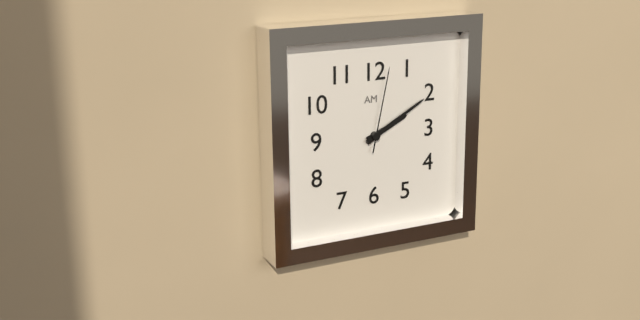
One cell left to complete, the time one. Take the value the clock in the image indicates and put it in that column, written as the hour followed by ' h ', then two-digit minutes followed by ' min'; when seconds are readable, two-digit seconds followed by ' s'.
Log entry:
2 h 10 min 02 s
